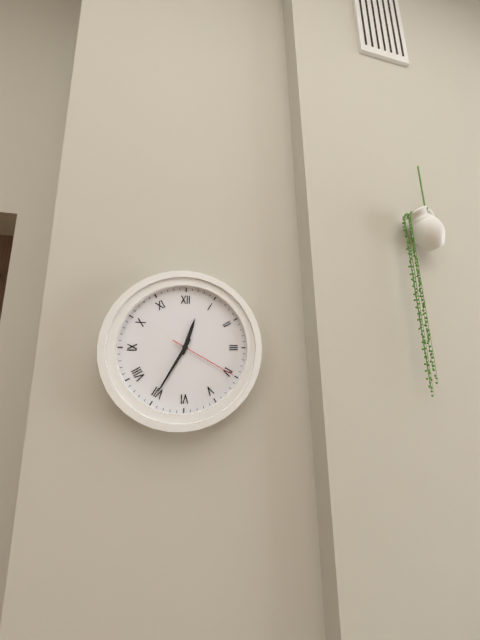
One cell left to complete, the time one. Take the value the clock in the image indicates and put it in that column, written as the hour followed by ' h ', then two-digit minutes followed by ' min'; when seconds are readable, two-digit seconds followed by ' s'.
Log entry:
12 h 35 min 20 s
